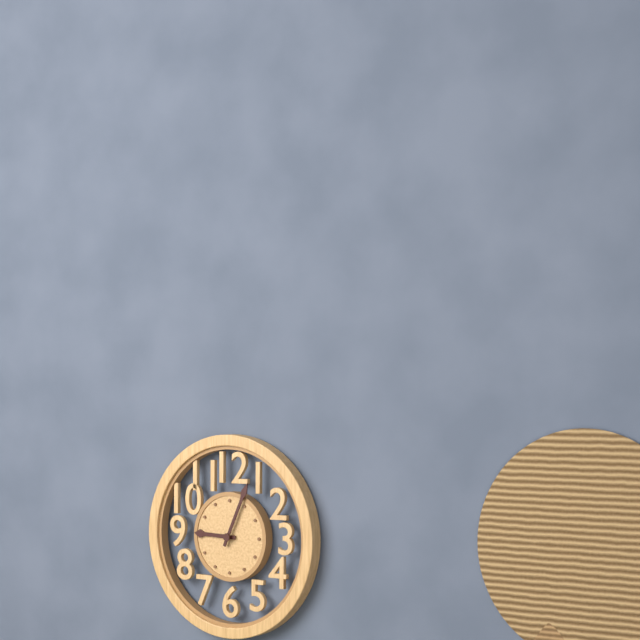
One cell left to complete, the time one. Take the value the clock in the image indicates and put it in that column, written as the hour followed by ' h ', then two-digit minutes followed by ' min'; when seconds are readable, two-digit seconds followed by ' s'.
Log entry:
9 h 04 min
